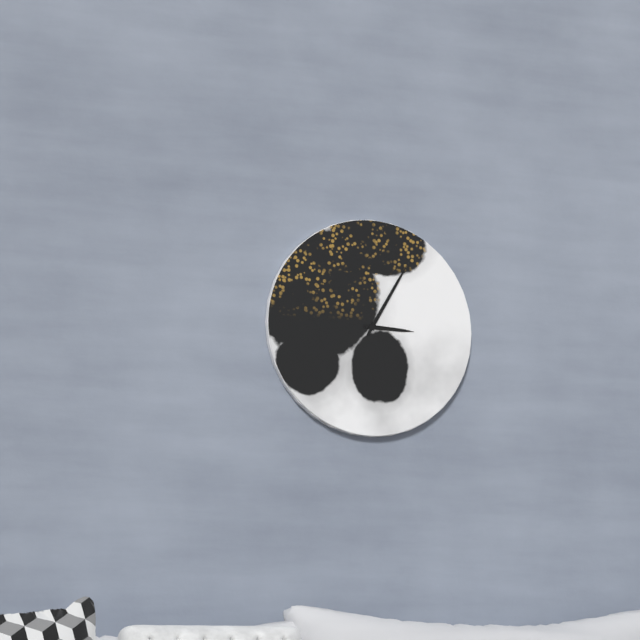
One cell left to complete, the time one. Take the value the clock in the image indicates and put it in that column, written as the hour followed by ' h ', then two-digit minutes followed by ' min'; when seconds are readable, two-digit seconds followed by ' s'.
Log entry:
3 h 05 min
